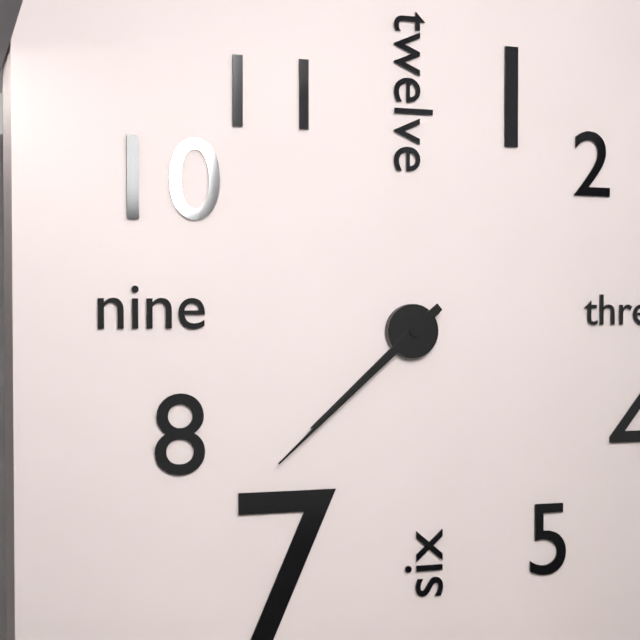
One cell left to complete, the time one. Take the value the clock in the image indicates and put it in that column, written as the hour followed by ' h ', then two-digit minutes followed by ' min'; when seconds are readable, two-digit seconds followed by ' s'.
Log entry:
7 h 38 min
